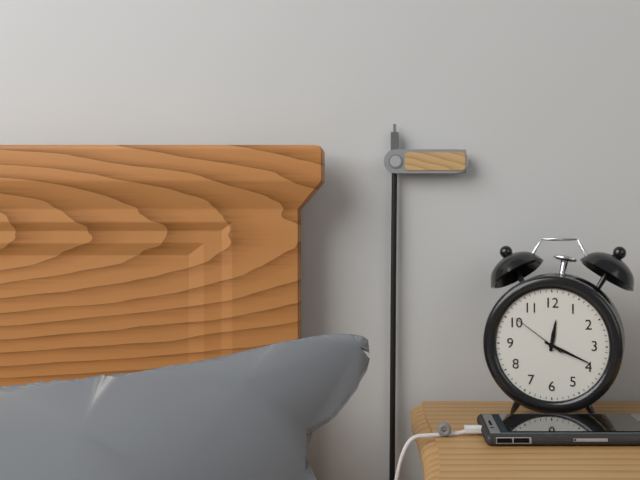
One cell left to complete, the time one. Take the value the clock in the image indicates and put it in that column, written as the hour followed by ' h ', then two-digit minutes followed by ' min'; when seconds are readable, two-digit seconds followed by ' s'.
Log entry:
12 h 19 min 51 s
